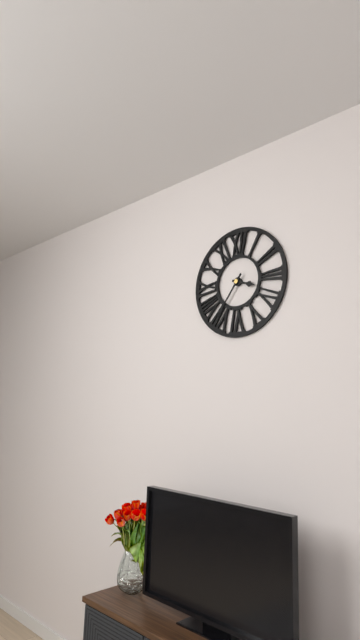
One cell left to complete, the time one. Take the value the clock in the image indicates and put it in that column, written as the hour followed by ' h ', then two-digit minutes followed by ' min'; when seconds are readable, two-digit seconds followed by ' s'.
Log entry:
3 h 36 min
